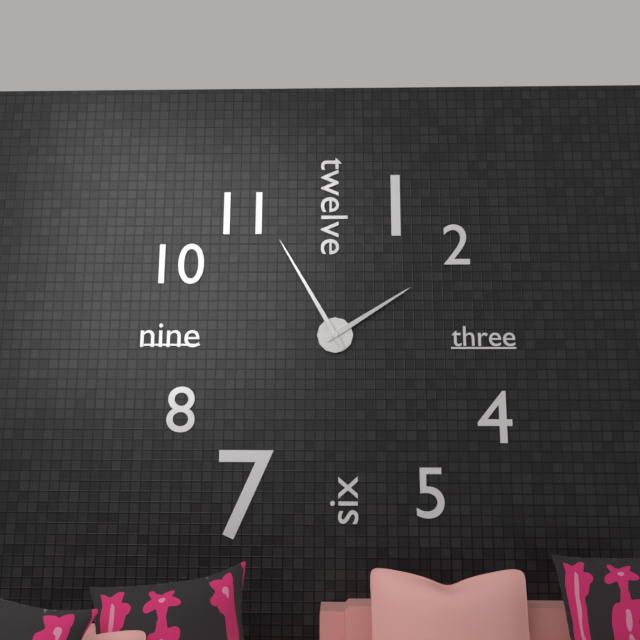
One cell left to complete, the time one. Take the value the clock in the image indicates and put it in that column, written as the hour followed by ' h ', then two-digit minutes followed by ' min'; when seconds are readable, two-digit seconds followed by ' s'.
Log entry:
1 h 55 min
